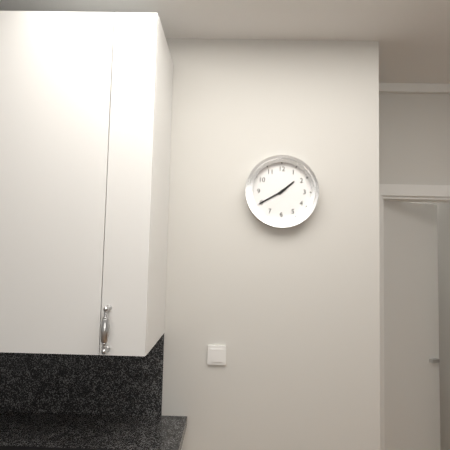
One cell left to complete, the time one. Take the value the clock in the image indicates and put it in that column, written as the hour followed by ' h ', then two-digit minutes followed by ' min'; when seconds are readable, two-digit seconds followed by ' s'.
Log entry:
1 h 40 min
